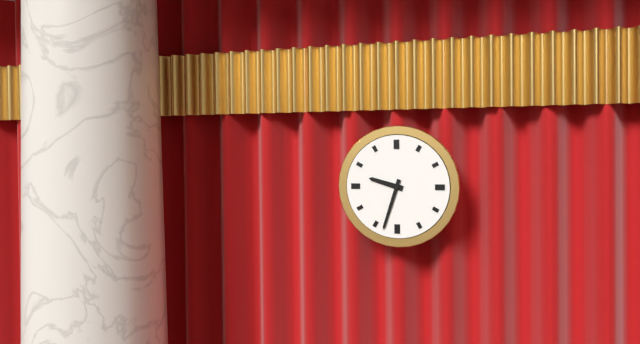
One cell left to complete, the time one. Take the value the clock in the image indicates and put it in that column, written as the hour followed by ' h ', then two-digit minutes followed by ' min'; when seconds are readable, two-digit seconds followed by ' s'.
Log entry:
9 h 33 min
